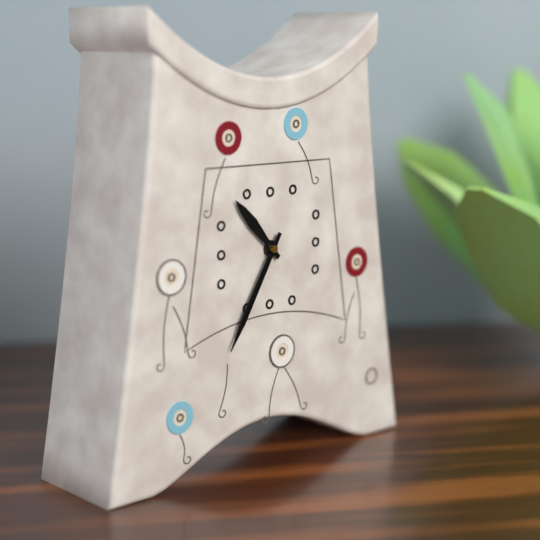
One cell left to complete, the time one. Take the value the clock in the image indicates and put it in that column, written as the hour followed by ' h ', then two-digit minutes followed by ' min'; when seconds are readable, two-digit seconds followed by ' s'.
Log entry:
10 h 35 min
